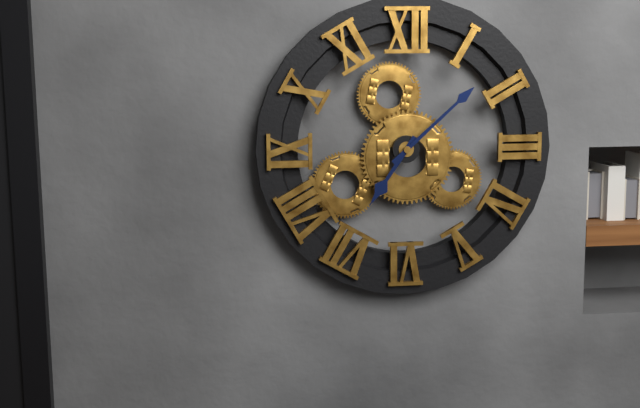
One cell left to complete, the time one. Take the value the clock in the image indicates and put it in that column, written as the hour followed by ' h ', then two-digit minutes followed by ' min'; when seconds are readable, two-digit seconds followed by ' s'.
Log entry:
7 h 08 min
